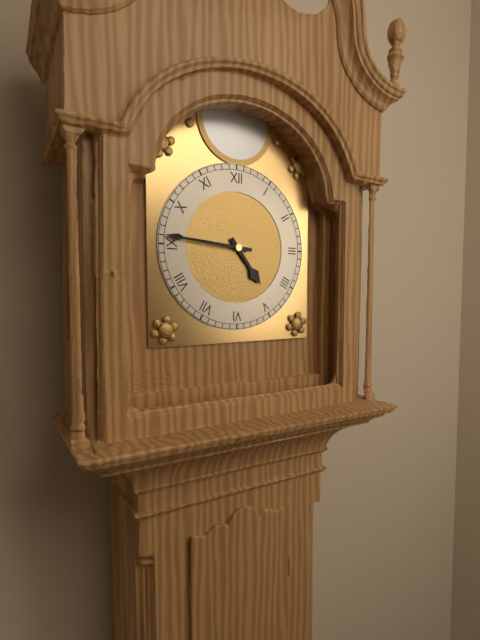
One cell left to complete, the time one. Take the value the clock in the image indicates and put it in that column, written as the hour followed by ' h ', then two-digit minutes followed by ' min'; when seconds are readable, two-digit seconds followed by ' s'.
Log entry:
4 h 46 min
